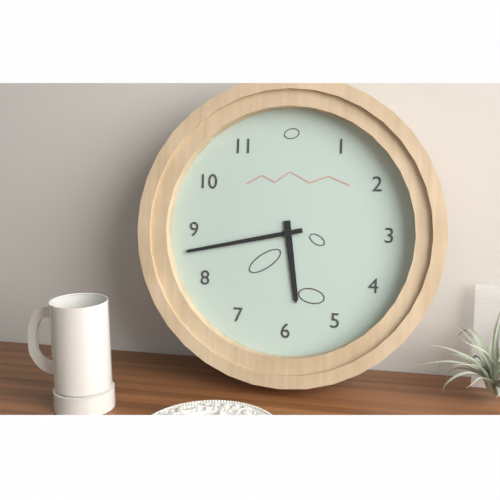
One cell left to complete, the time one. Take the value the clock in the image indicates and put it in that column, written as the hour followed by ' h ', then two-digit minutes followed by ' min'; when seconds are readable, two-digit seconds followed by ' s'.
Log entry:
5 h 43 min
